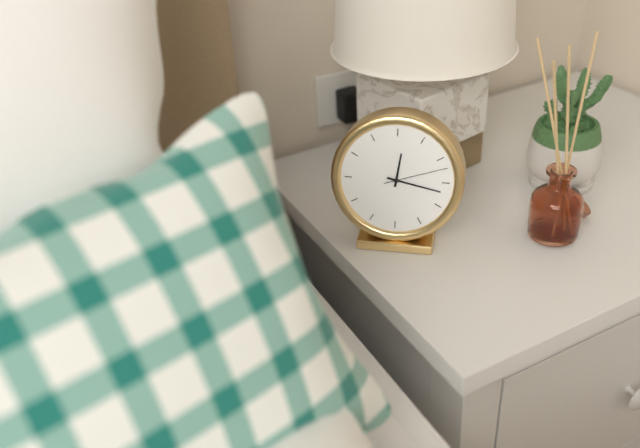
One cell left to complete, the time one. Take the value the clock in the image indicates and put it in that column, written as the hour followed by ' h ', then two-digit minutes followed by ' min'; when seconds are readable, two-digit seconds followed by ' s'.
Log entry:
12 h 17 min 12 s
